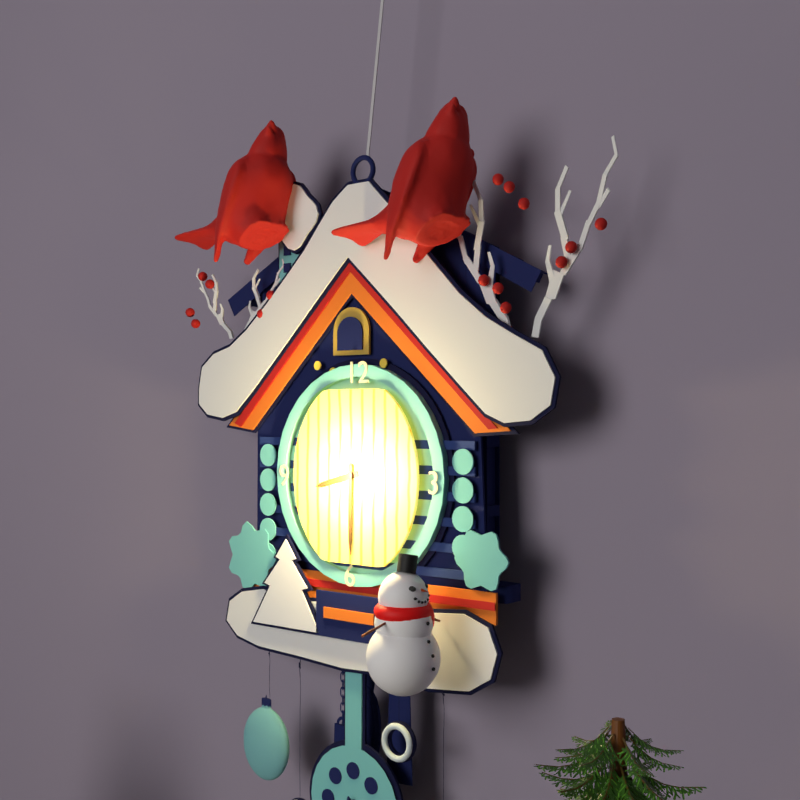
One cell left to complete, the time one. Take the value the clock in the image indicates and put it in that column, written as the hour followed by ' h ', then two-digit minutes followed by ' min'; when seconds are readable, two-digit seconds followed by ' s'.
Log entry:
8 h 30 min
